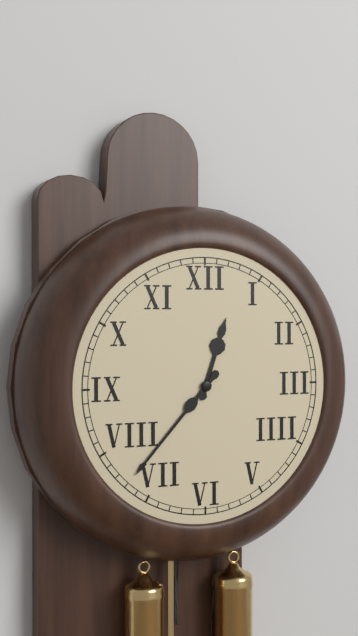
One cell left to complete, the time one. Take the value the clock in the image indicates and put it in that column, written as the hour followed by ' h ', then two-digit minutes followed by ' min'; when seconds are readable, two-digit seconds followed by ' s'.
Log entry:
12 h 37 min
